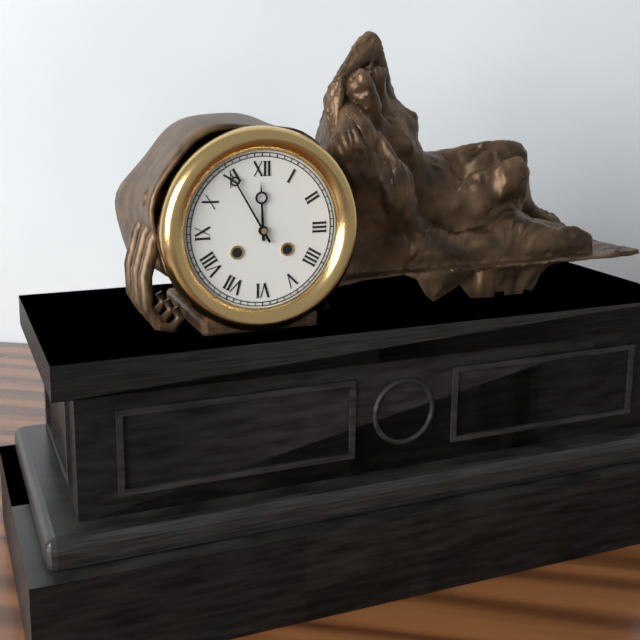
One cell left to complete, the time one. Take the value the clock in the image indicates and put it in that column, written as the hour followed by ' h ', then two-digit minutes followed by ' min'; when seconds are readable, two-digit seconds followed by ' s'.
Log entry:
11 h 55 min
